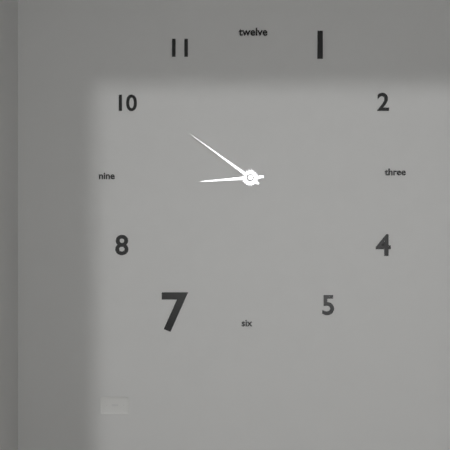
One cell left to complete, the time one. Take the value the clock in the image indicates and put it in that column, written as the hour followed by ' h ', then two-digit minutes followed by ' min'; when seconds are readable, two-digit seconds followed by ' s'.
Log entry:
8 h 51 min
